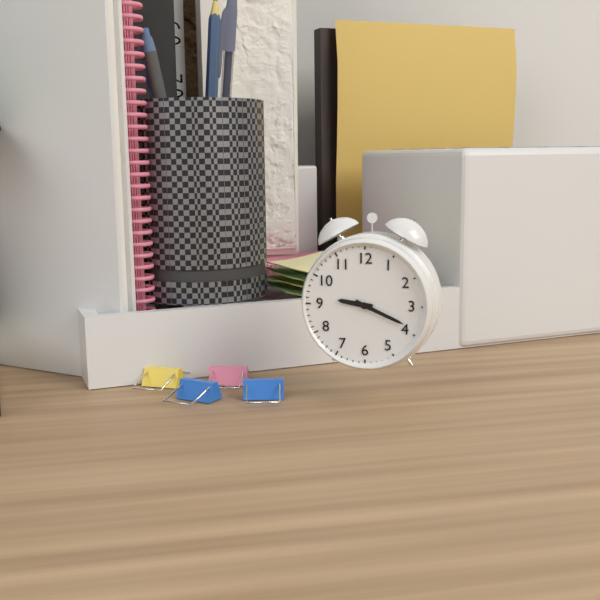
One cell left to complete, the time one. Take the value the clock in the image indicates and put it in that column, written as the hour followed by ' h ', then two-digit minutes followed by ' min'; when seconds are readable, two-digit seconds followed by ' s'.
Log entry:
9 h 19 min
